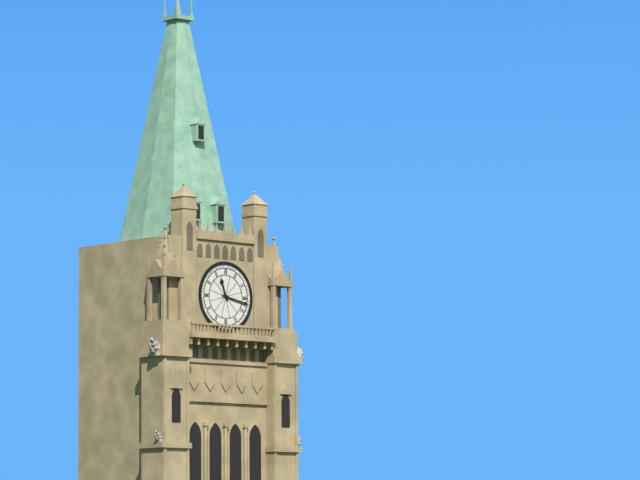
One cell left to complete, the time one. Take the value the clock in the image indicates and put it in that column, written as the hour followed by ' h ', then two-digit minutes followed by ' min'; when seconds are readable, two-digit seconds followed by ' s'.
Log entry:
11 h 17 min
